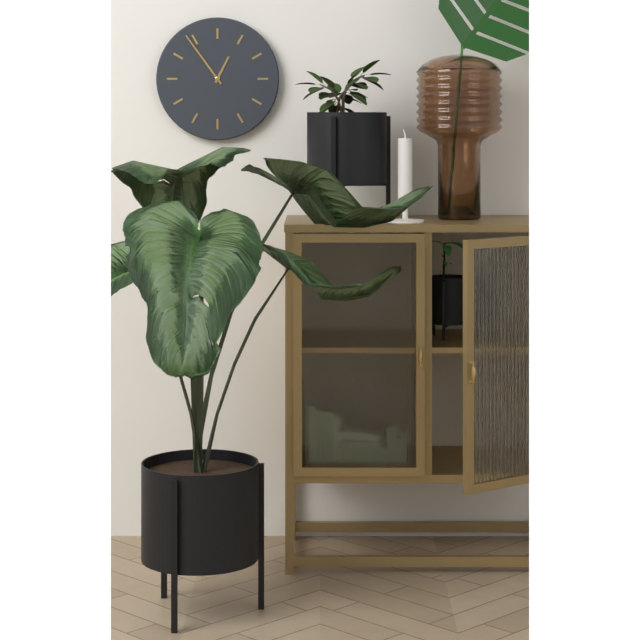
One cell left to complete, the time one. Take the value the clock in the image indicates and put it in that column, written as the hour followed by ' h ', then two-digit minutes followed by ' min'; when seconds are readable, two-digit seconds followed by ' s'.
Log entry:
12 h 54 min
